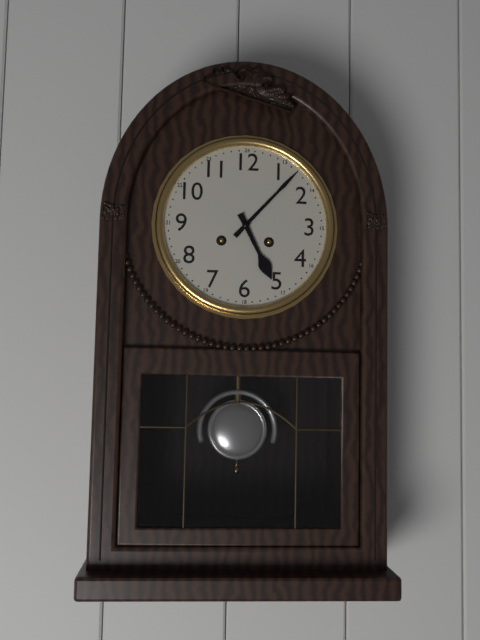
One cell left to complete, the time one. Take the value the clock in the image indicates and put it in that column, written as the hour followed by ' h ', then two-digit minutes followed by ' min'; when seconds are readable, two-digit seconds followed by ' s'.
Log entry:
5 h 07 min
